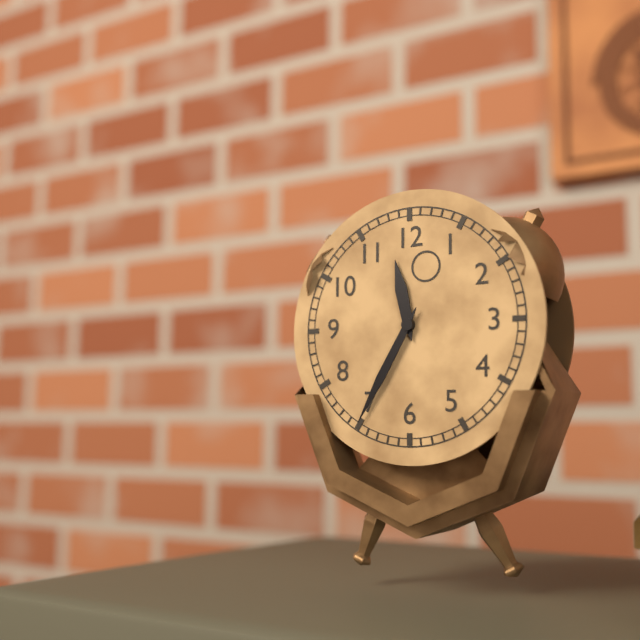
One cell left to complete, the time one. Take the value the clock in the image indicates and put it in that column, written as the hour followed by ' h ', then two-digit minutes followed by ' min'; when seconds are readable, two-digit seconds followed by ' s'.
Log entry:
11 h 35 min
